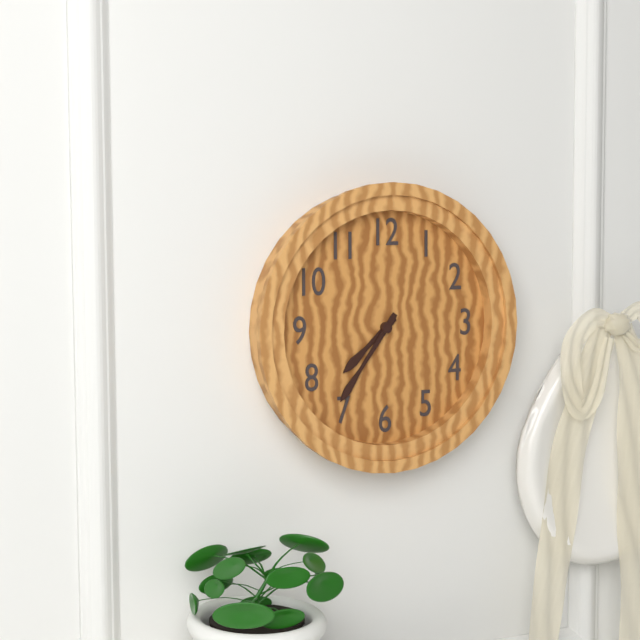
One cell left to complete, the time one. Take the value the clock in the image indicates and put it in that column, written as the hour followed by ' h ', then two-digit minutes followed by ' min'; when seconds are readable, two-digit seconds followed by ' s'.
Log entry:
7 h 36 min
